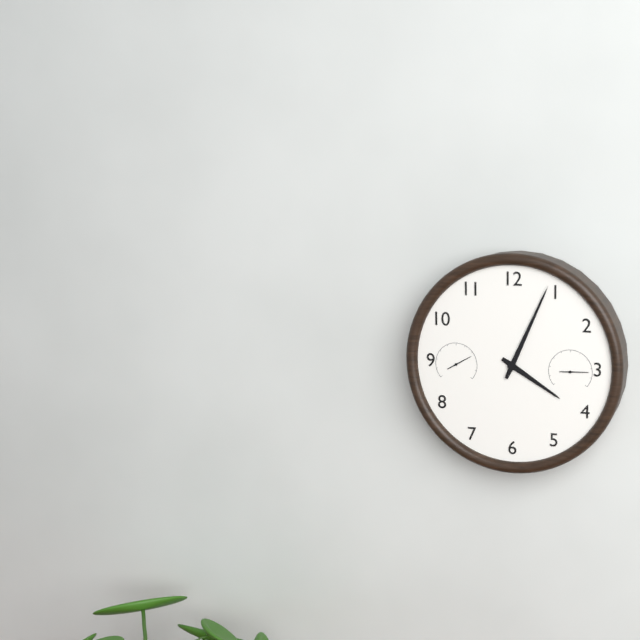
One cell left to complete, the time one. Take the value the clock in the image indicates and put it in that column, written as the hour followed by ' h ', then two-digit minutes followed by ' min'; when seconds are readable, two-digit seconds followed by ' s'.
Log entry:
4 h 04 min
